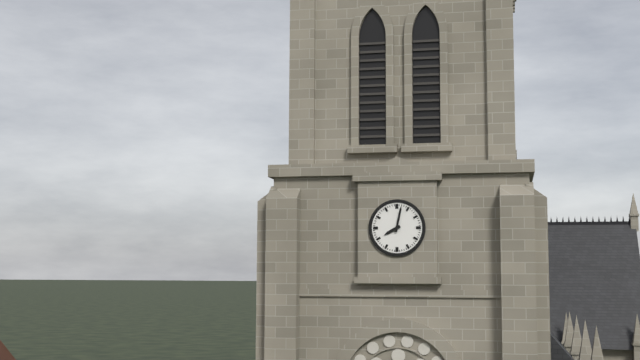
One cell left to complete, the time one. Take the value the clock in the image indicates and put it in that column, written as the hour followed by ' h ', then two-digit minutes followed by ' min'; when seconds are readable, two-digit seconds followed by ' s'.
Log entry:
8 h 02 min
